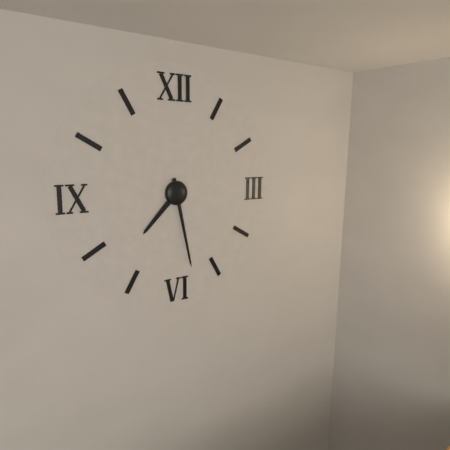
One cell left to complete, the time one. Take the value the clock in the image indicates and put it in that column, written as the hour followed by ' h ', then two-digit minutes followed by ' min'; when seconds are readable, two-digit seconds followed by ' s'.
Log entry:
7 h 28 min
